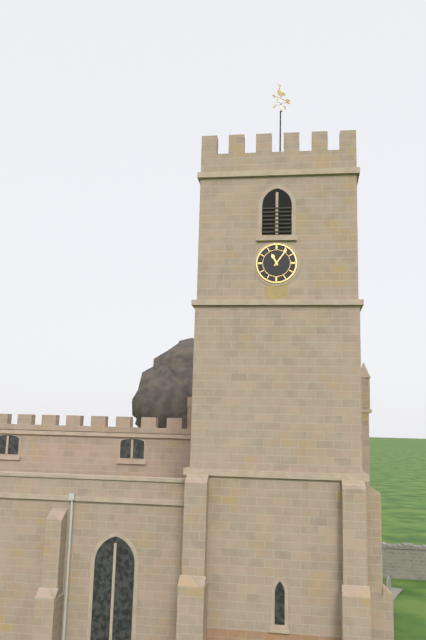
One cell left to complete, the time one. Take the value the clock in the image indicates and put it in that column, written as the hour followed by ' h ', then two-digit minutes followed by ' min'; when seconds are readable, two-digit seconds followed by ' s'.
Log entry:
11 h 06 min
